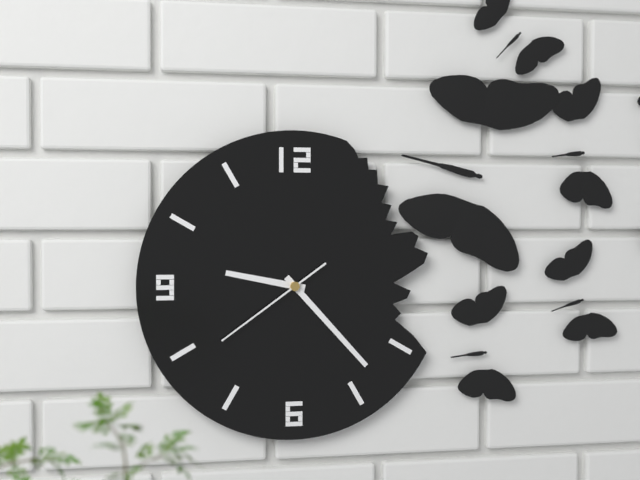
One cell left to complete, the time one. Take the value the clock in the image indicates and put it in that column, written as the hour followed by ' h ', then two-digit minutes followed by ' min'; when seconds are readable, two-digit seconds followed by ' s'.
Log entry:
9 h 23 min 39 s
